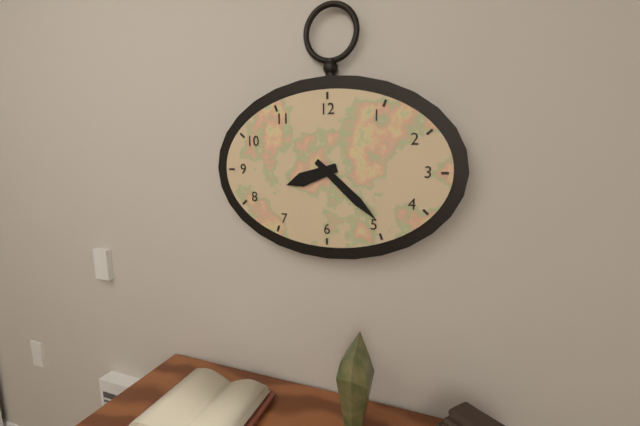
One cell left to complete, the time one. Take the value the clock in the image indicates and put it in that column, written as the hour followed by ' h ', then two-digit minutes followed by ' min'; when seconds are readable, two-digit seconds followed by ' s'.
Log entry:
8 h 22 min
